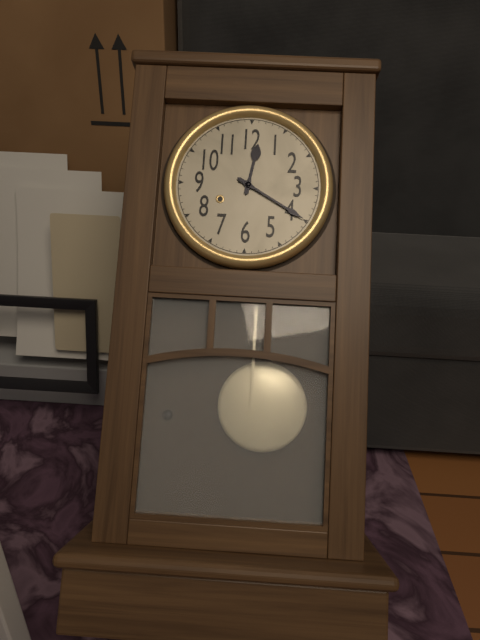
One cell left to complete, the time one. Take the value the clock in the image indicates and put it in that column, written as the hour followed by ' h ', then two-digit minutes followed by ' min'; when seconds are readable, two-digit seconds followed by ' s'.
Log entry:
12 h 20 min
